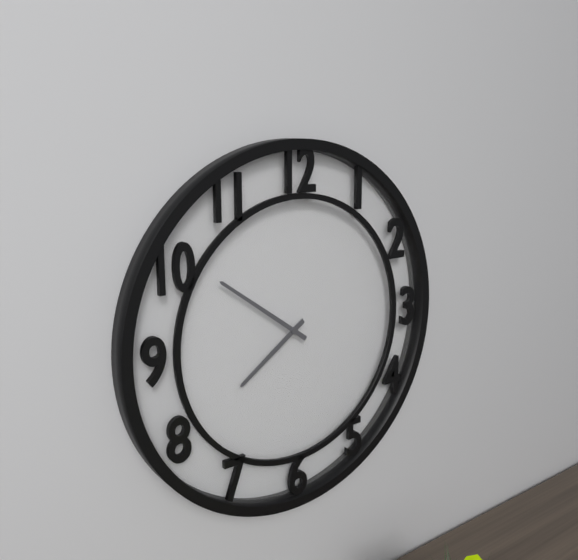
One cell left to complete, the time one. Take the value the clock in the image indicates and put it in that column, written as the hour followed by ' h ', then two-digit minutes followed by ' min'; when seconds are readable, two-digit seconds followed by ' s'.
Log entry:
7 h 51 min
